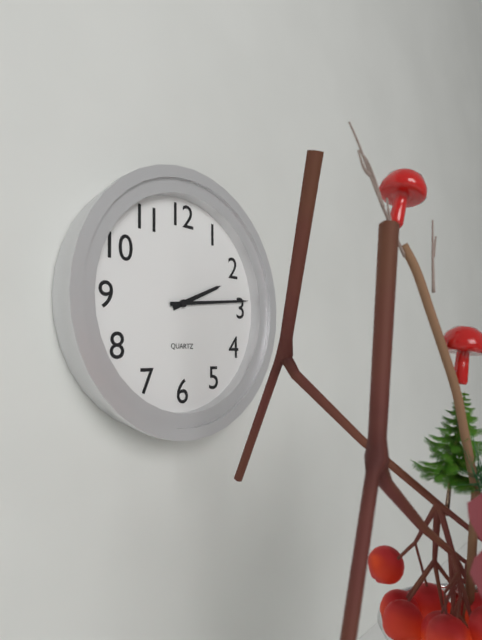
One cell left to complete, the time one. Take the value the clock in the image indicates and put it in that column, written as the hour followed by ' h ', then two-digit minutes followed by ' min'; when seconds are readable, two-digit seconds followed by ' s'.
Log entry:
2 h 14 min
